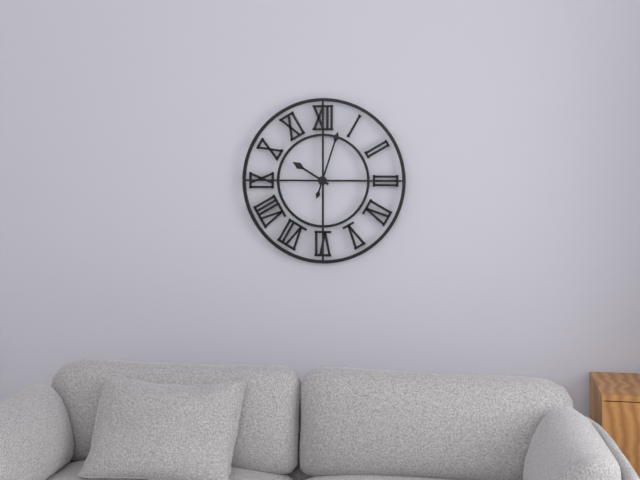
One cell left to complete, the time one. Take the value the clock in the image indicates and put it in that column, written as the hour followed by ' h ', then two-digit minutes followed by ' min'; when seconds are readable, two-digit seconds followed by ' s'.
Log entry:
10 h 03 min
